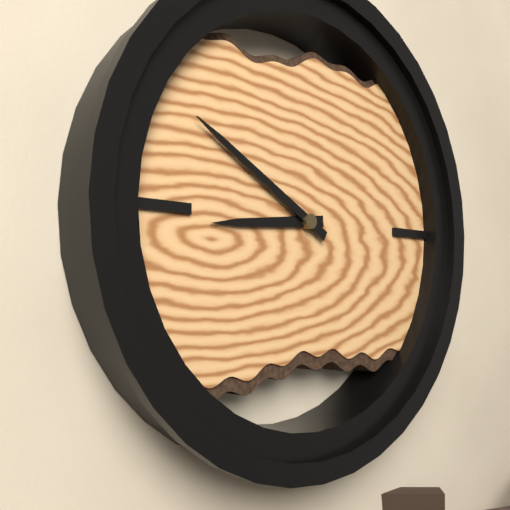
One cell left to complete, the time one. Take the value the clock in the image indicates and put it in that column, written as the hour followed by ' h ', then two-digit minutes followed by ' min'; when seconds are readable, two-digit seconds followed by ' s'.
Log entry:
8 h 50 min
